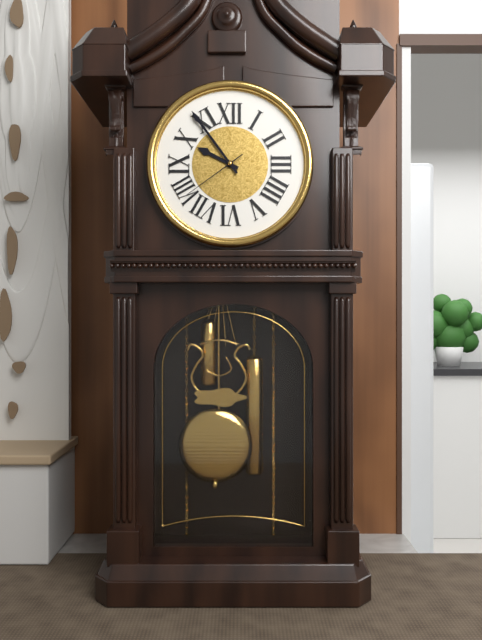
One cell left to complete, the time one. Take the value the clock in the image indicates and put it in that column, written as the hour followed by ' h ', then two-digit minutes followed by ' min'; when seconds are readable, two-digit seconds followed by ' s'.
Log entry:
9 h 54 min 39 s
